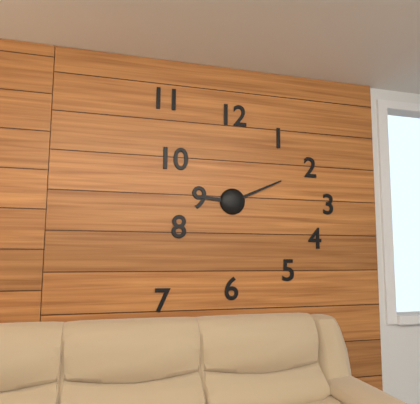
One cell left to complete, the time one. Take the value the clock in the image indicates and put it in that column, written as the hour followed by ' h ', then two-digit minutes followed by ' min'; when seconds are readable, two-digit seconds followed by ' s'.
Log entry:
9 h 11 min
